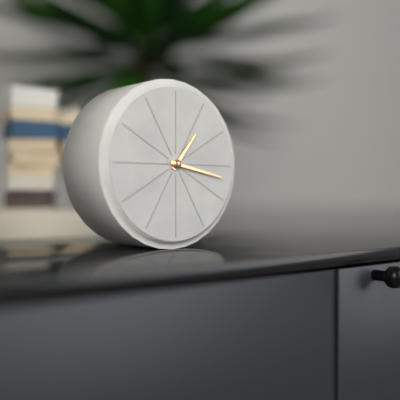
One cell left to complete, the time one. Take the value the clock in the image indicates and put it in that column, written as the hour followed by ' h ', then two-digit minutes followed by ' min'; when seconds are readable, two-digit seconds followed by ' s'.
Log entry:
1 h 17 min
